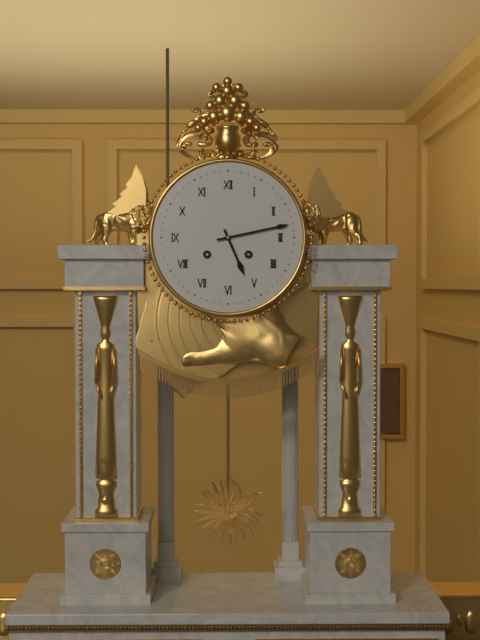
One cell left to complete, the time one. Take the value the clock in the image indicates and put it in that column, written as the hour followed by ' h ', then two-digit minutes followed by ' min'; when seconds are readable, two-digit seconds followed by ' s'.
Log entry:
5 h 13 min
